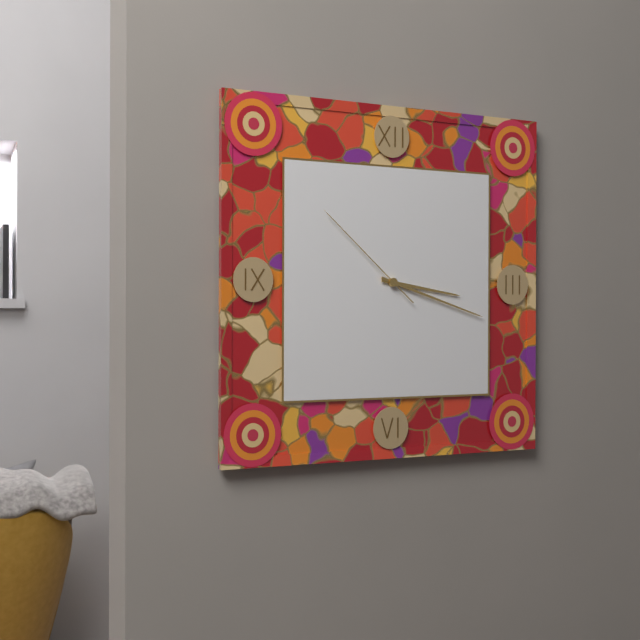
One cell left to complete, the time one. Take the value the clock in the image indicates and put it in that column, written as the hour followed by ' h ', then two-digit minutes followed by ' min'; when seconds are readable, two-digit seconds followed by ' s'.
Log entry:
3 h 18 min 52 s
